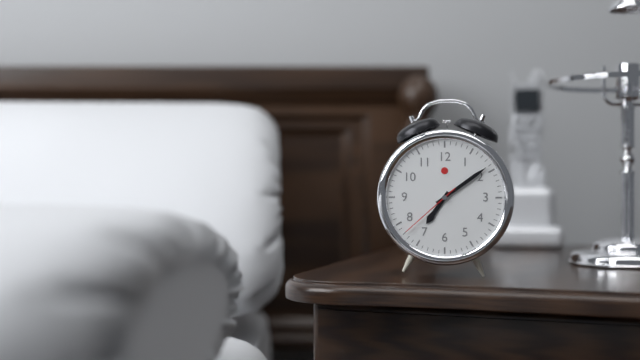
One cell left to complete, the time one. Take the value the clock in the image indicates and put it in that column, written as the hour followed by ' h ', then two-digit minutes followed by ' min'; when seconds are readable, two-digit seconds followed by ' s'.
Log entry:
7 h 09 min 38 s
